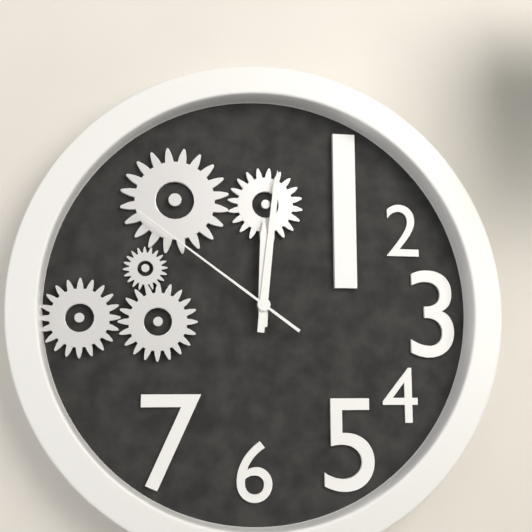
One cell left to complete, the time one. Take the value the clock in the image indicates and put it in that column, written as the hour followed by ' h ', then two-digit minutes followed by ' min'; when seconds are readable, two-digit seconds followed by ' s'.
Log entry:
12 h 01 min 51 s
